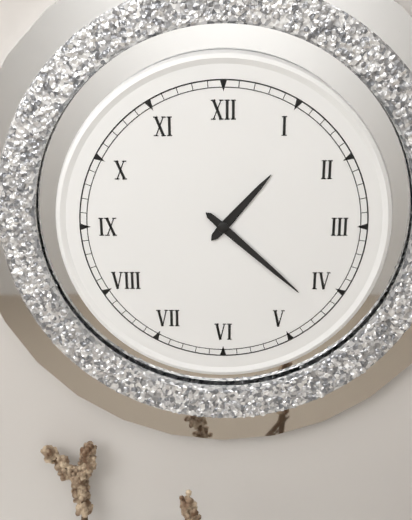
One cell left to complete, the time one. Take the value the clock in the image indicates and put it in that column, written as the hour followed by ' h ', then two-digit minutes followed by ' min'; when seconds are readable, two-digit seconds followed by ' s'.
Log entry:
1 h 22 min
